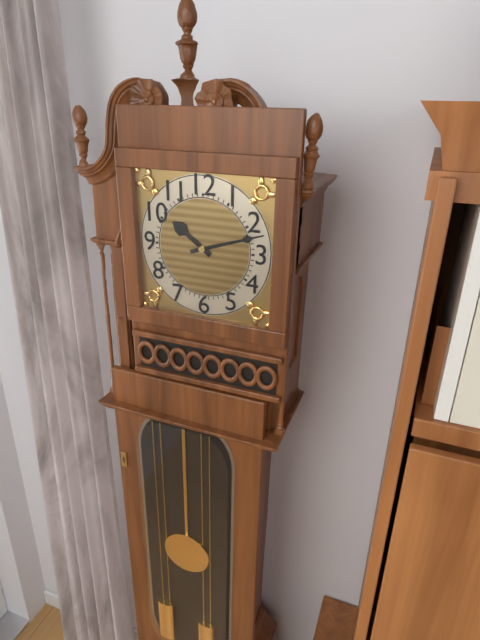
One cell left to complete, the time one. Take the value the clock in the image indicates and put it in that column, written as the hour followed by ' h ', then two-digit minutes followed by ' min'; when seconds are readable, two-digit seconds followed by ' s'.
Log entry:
10 h 12 min
